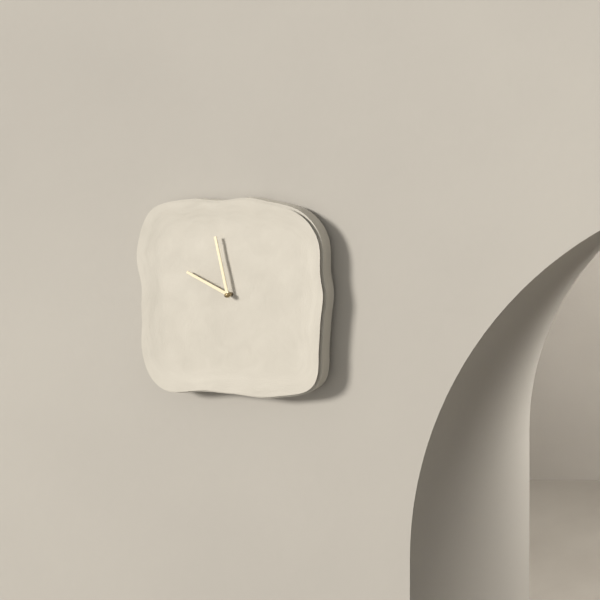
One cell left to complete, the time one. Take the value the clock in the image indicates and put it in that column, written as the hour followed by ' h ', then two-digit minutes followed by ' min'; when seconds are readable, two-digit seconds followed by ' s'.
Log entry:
9 h 58 min
